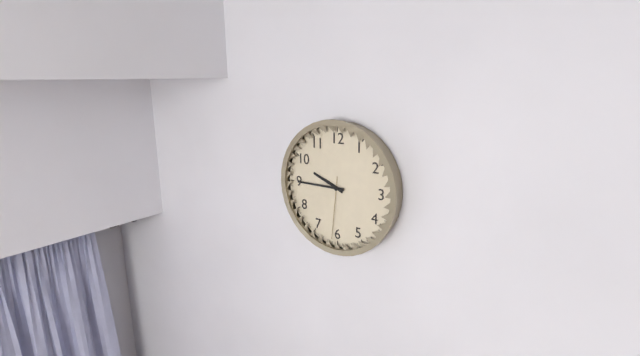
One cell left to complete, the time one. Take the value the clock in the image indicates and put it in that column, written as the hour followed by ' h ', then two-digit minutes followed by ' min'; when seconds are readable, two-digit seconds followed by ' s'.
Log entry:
9 h 45 min 31 s
